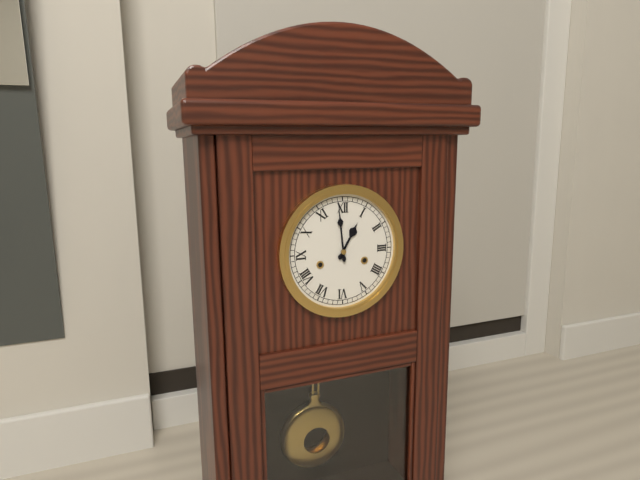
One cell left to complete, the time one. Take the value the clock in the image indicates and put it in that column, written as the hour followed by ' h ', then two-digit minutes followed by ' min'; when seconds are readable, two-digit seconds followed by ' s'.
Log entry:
12 h 59 min
